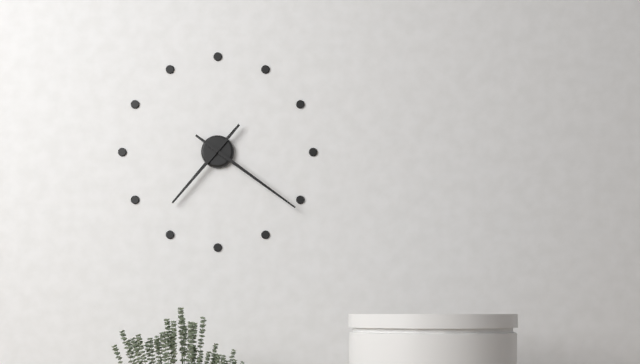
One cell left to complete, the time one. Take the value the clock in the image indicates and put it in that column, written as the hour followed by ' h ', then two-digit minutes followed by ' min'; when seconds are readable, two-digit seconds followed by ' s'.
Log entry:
7 h 21 min
